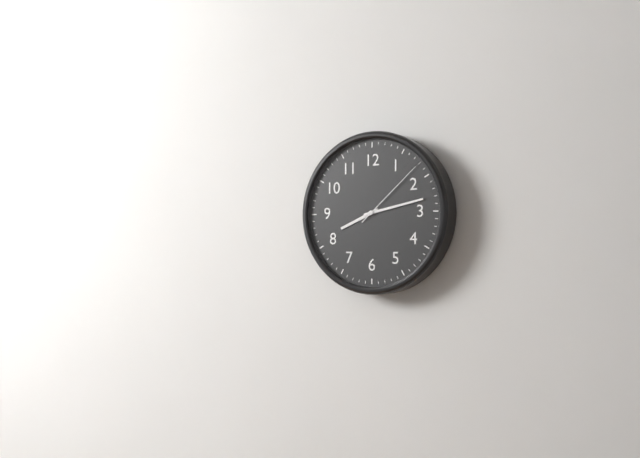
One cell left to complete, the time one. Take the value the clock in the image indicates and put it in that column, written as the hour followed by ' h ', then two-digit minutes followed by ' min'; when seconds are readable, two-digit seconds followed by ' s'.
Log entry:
8 h 13 min 08 s
